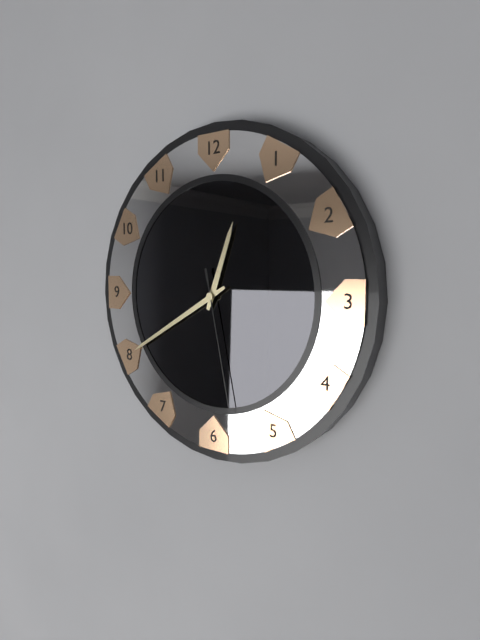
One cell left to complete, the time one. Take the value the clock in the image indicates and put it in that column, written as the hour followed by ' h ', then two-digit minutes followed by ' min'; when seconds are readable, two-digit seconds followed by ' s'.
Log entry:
12 h 40 min 28 s
